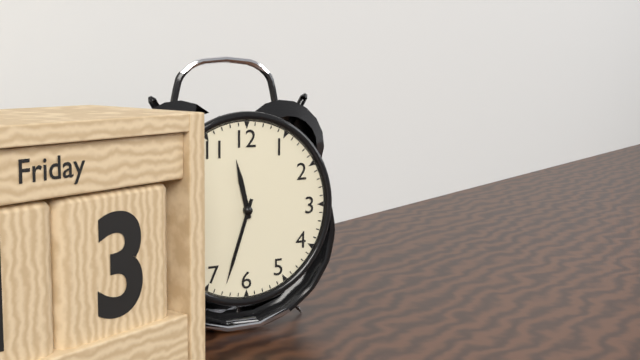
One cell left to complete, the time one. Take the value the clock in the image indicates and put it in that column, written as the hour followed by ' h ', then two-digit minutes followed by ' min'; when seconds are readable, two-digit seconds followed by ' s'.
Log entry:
11 h 33 min
